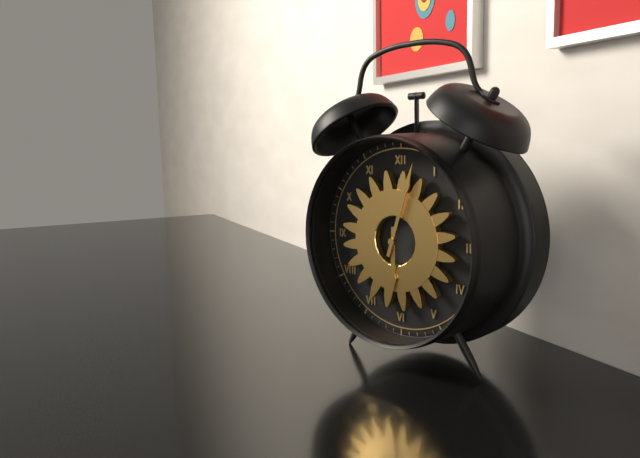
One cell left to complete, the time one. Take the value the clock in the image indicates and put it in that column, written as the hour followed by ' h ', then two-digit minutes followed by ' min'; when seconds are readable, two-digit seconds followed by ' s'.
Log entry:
6 h 03 min
